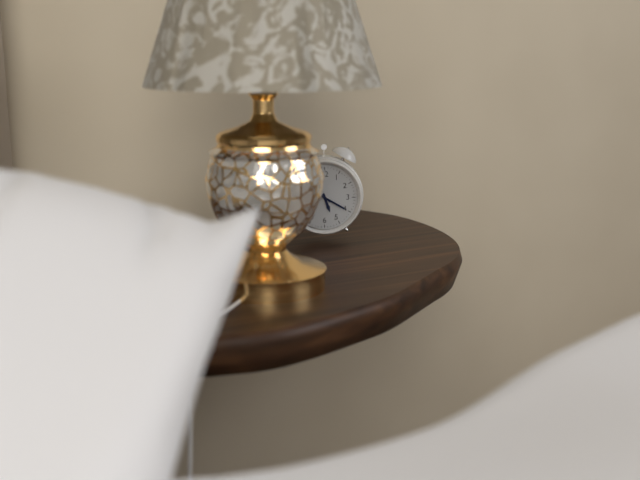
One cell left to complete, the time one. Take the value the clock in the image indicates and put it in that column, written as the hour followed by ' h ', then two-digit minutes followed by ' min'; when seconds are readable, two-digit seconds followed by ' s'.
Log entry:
5 h 20 min
